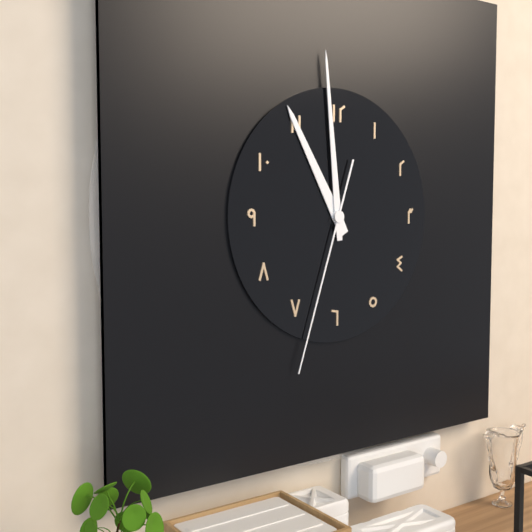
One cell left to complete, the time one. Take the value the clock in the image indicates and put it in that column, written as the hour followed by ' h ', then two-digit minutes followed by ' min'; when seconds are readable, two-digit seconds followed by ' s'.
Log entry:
10 h 59 min 33 s
